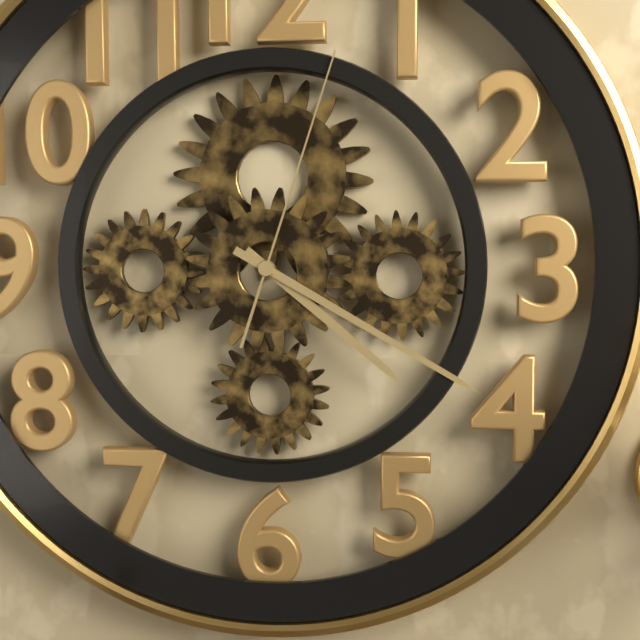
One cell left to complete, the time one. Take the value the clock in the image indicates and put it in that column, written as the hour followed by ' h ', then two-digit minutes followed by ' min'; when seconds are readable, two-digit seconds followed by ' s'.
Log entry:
4 h 20 min 03 s
